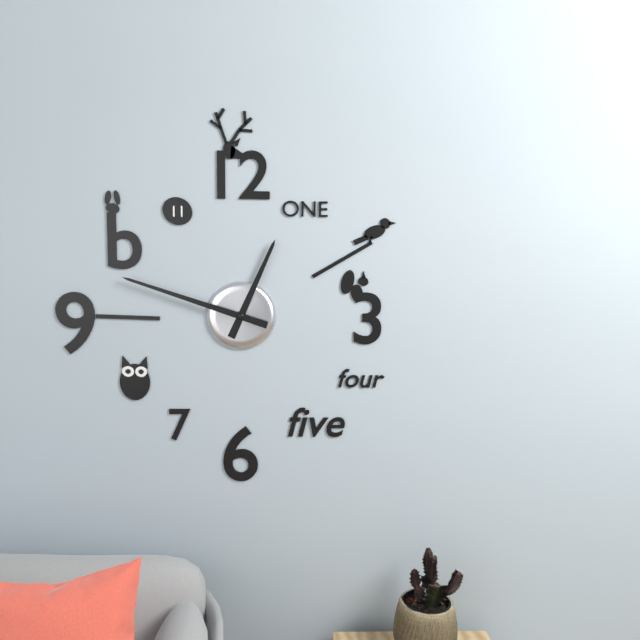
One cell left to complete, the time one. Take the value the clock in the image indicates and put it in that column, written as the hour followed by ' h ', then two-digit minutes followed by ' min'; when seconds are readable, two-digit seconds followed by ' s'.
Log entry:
12 h 48 min
